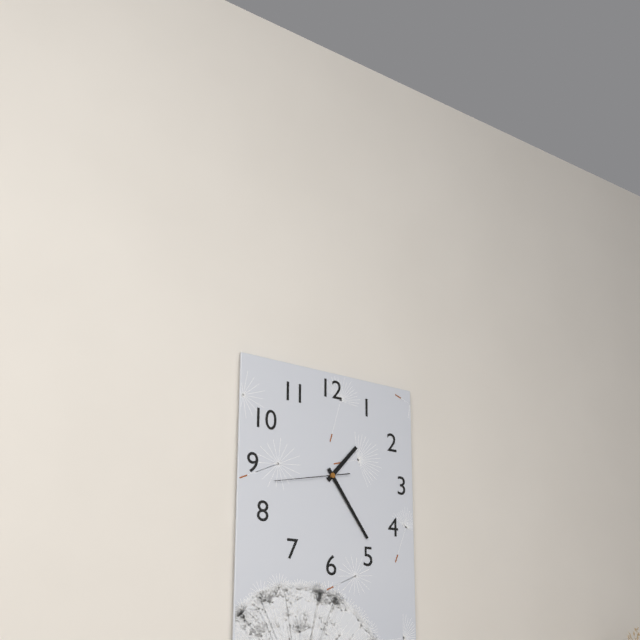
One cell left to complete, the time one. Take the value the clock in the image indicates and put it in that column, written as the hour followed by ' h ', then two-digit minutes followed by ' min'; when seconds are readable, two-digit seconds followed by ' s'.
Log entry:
1 h 24 min 43 s
